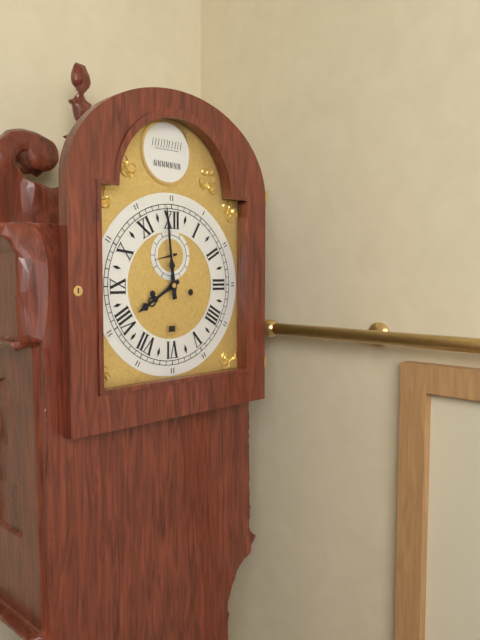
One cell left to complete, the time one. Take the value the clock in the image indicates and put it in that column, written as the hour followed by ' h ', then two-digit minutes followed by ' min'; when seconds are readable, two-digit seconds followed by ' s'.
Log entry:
7 h 59 min
